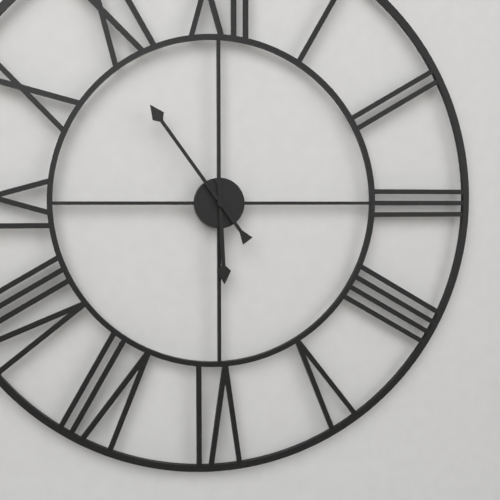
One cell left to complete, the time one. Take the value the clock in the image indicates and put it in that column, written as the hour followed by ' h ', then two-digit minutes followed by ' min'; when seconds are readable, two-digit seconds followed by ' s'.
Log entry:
5 h 54 min
